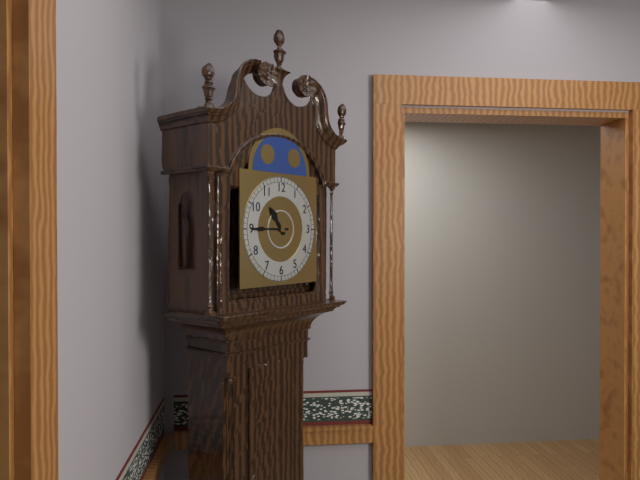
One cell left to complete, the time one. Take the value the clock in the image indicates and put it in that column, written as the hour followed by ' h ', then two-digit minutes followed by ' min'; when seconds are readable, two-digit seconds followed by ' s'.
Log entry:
10 h 45 min
